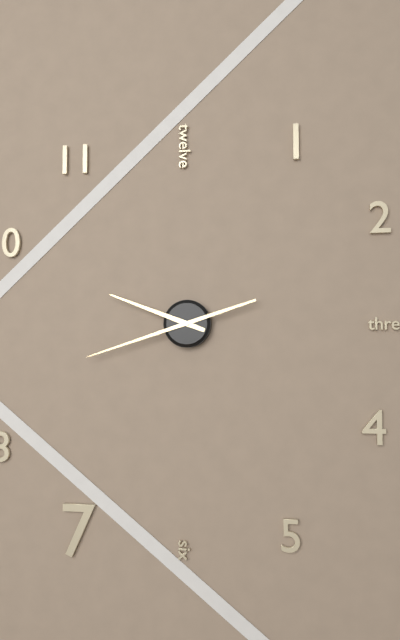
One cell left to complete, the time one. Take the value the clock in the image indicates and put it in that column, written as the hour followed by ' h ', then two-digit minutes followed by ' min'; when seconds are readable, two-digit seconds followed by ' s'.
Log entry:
9 h 42 min
